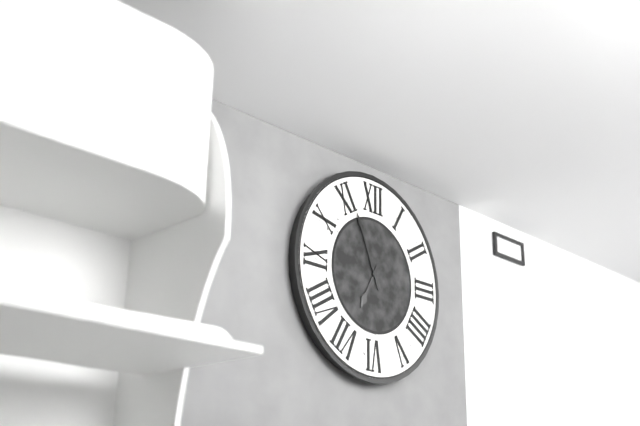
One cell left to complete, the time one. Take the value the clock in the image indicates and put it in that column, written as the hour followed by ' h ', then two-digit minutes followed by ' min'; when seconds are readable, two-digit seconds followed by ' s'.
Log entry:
6 h 56 min
